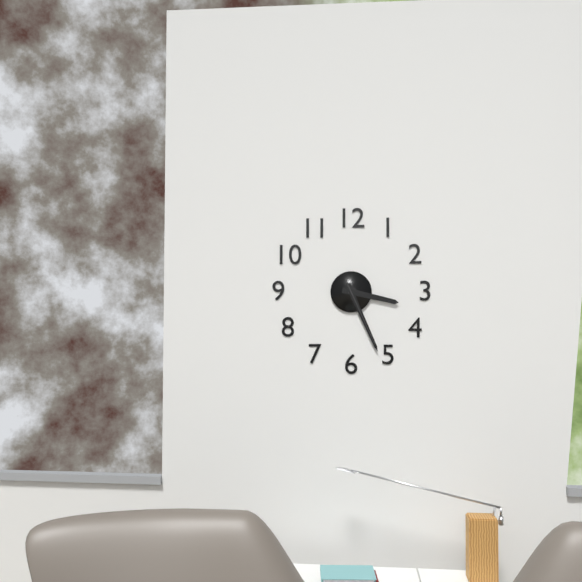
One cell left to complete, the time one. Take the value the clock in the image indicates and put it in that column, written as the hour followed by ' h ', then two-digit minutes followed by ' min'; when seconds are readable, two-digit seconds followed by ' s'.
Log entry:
3 h 26 min 26 s
